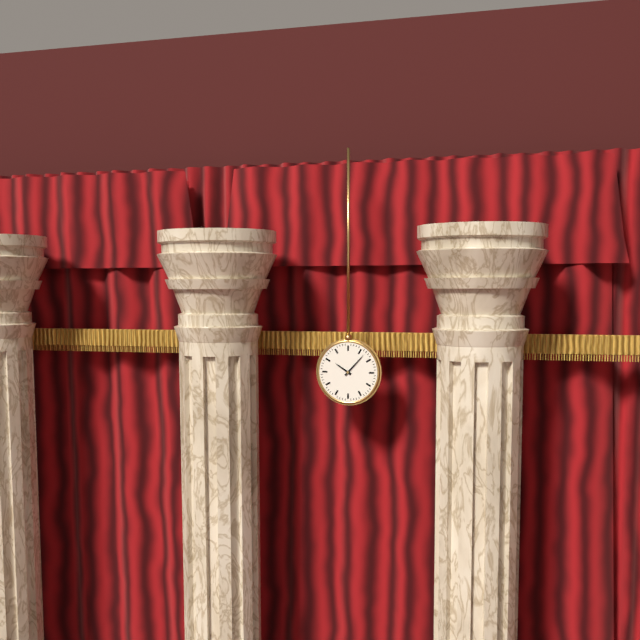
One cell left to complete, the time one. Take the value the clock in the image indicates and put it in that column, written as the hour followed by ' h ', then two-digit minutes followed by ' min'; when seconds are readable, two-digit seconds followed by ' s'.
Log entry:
10 h 07 min
